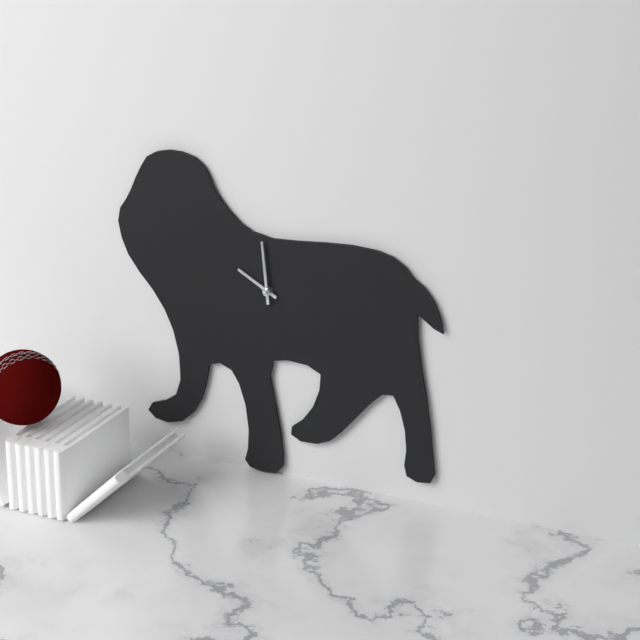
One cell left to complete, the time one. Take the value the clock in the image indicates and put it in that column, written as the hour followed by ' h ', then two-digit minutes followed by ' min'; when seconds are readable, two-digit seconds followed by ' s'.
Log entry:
9 h 59 min
